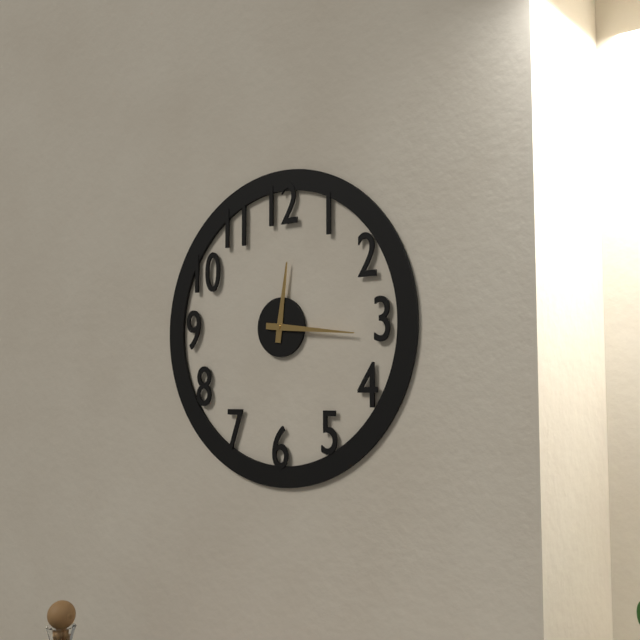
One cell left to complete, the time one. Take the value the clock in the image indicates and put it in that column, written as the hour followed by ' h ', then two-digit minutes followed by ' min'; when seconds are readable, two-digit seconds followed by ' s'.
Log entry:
12 h 16 min
